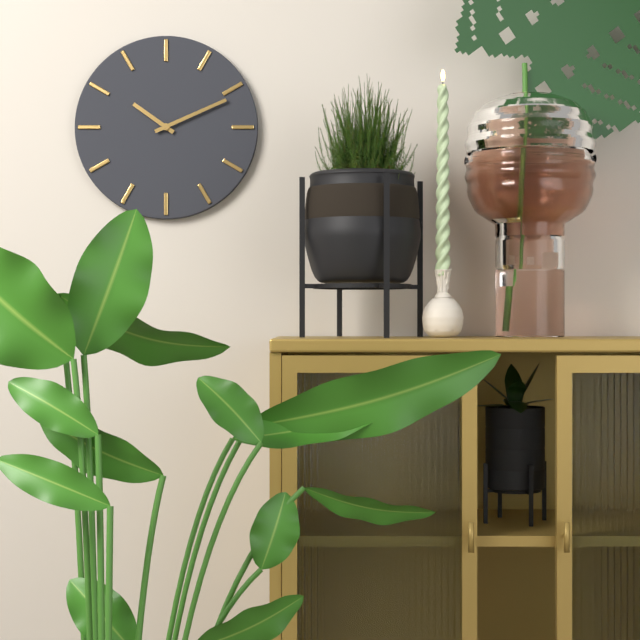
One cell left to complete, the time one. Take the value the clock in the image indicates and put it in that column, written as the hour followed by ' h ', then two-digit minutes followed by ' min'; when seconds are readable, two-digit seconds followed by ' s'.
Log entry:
10 h 11 min
